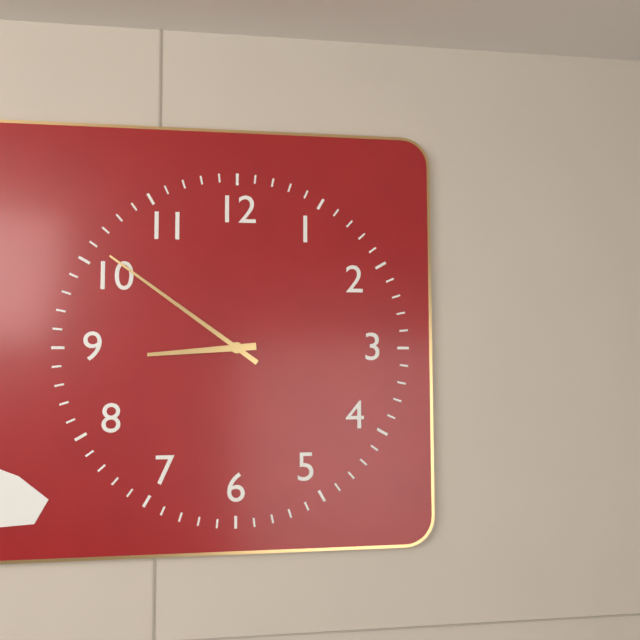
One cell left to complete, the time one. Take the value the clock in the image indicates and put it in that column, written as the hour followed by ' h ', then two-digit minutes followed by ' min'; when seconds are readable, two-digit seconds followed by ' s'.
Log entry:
8 h 51 min
